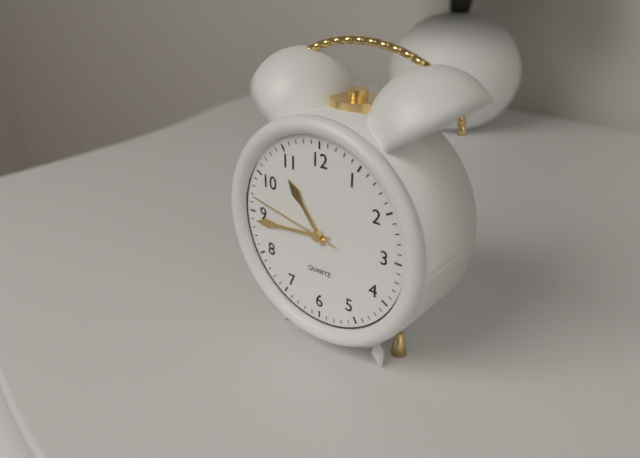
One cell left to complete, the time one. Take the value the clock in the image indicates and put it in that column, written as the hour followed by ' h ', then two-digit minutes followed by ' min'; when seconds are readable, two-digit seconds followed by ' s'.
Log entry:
10 h 44 min 47 s
